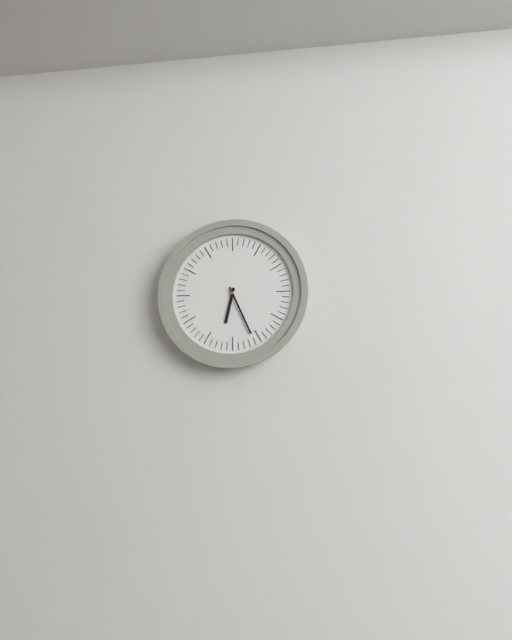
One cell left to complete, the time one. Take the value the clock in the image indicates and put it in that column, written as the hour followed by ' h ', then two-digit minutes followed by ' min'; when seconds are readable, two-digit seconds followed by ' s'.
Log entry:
6 h 26 min
